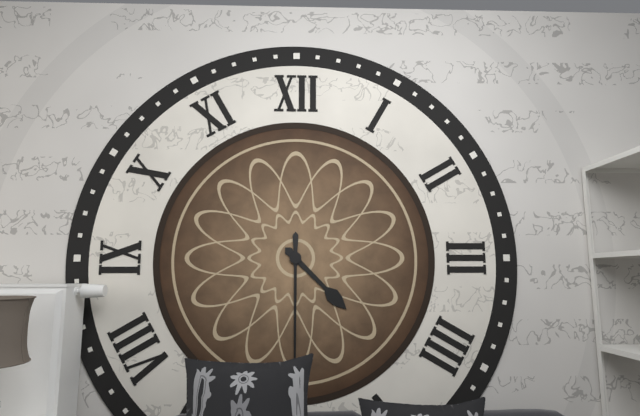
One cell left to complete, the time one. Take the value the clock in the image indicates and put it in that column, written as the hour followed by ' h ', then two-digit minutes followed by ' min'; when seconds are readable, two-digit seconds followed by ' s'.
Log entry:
4 h 30 min
